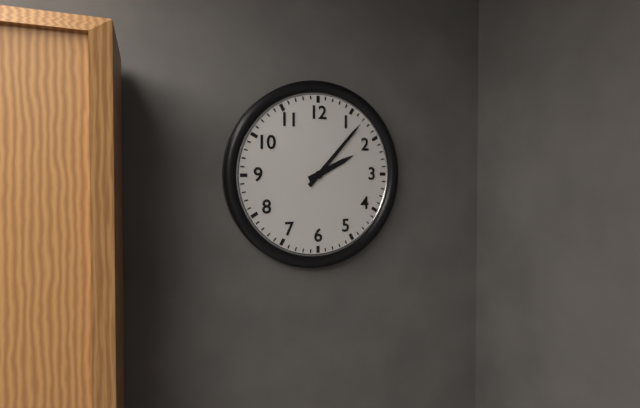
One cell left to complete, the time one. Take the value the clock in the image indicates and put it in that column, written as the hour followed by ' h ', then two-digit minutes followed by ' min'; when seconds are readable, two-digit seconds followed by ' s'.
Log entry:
2 h 07 min
